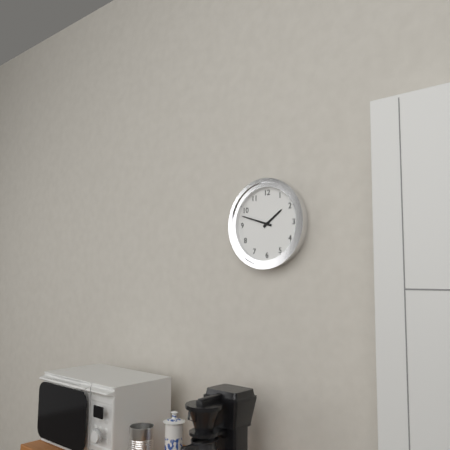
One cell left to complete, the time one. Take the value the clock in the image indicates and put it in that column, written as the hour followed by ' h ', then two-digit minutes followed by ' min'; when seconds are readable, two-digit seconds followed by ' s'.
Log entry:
1 h 48 min
